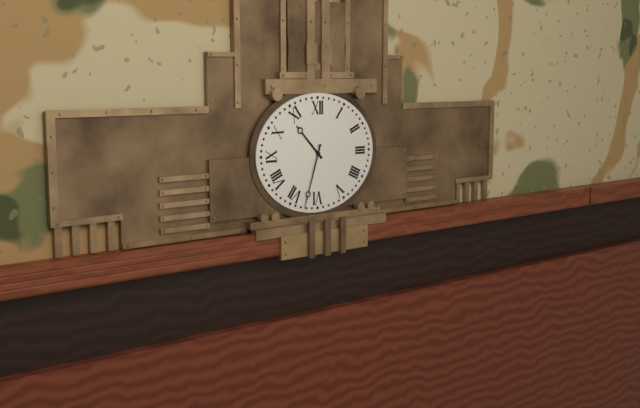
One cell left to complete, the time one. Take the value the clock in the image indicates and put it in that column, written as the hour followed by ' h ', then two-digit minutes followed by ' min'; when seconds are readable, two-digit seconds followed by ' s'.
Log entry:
10 h 33 min
